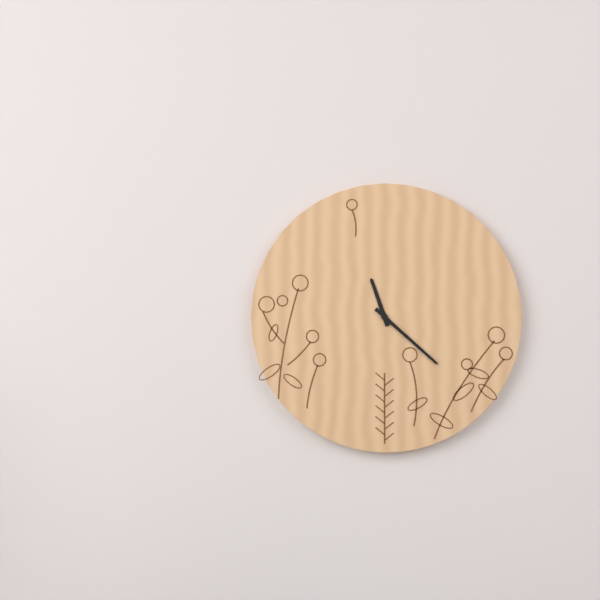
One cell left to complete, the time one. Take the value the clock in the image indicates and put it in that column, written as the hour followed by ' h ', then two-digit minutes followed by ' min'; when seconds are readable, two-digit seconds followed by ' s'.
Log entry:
11 h 22 min
